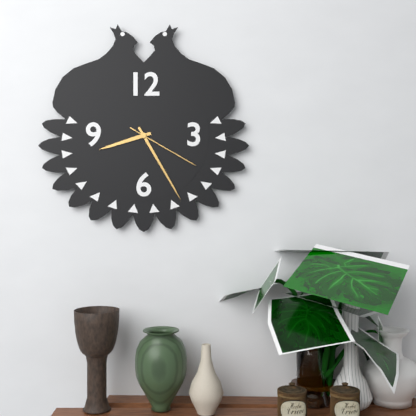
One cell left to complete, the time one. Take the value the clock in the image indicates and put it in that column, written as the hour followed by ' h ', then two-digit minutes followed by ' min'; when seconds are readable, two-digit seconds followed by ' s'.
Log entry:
8 h 25 min 20 s
